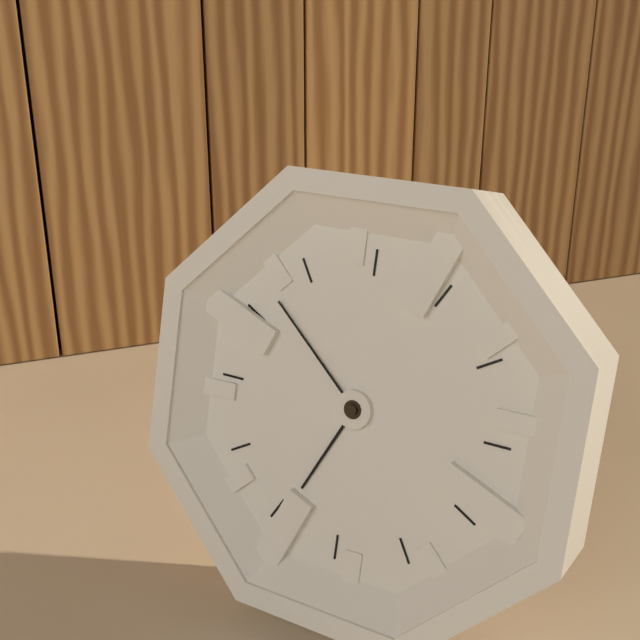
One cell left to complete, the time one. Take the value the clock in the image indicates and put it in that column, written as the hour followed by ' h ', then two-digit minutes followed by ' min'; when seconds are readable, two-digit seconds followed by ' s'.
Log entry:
6 h 52 min
